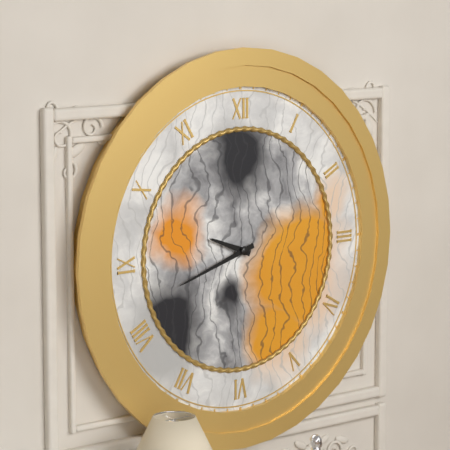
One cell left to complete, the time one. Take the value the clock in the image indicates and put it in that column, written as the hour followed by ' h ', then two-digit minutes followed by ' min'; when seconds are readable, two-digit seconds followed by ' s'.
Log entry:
9 h 42 min
